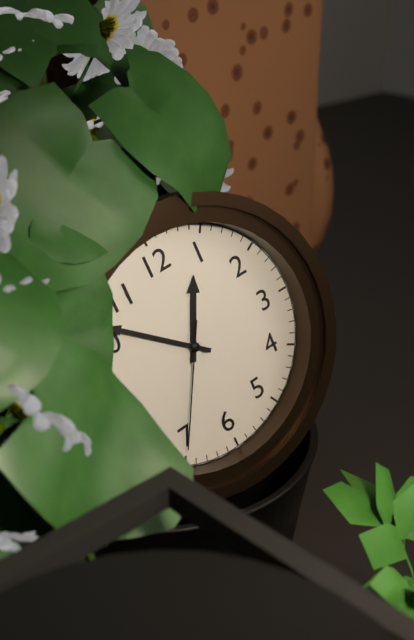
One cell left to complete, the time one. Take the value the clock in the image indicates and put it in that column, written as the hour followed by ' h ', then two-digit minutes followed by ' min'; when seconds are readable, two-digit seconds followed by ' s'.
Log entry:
12 h 52 min 35 s
